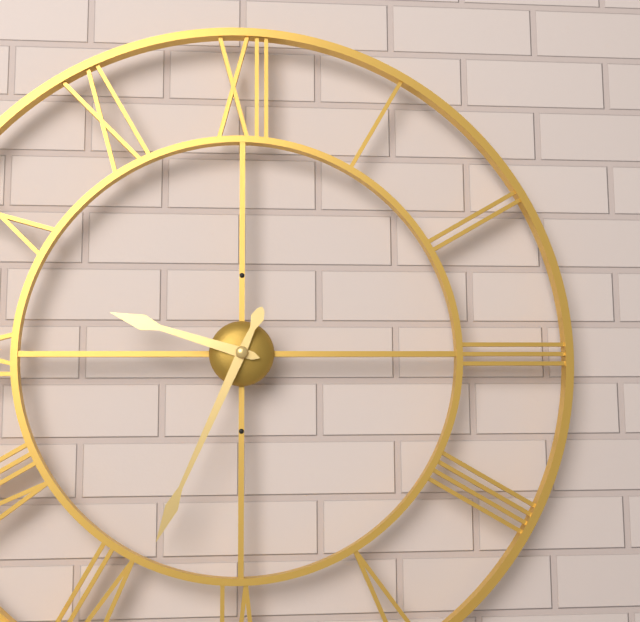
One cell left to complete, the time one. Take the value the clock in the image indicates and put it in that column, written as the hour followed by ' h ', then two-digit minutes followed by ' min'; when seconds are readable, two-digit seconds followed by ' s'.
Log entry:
9 h 34 min
